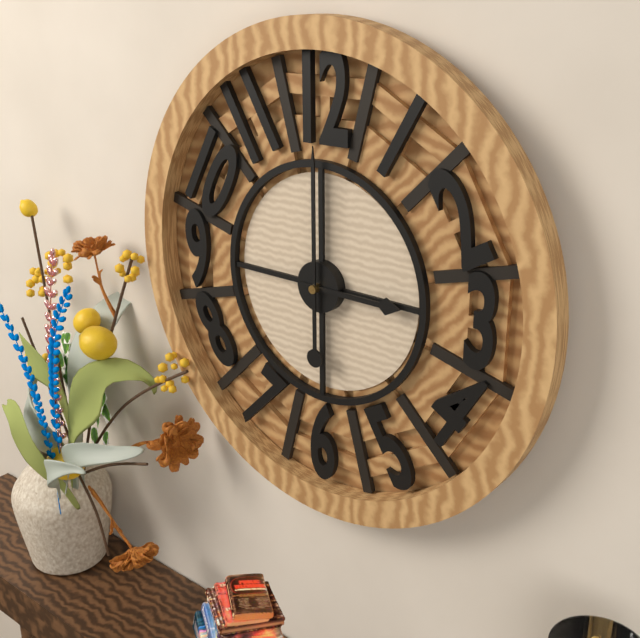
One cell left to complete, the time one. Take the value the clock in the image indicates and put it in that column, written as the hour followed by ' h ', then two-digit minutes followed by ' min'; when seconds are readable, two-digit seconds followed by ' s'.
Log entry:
3 h 00 min
